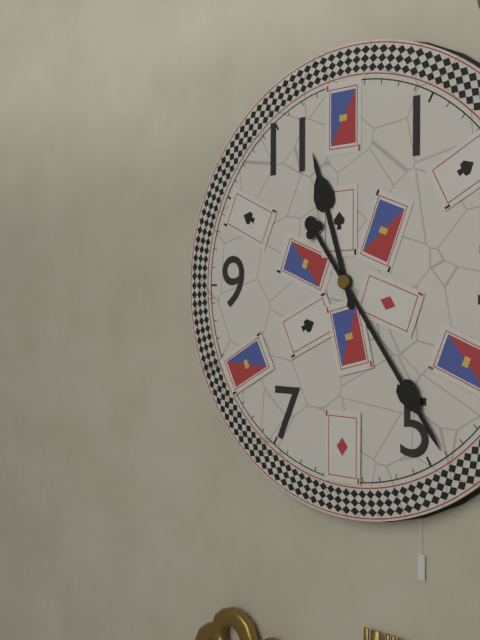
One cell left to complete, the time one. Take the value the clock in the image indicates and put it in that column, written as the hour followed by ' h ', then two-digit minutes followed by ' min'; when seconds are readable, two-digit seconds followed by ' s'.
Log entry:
11 h 24 min
